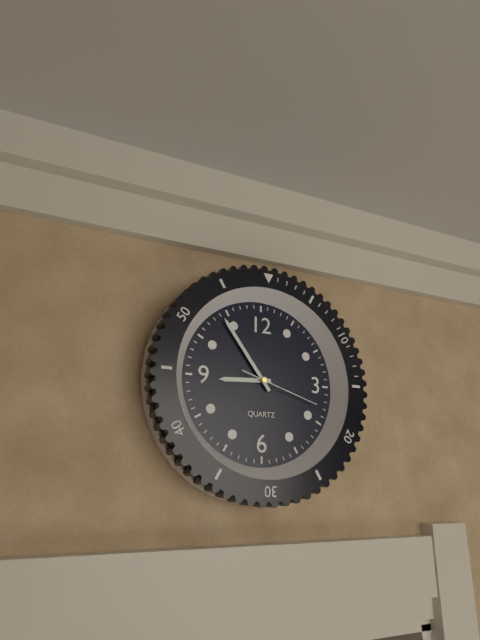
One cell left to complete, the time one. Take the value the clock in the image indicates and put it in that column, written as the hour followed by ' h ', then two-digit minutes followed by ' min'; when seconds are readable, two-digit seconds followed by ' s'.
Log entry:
8 h 54 min 18 s
